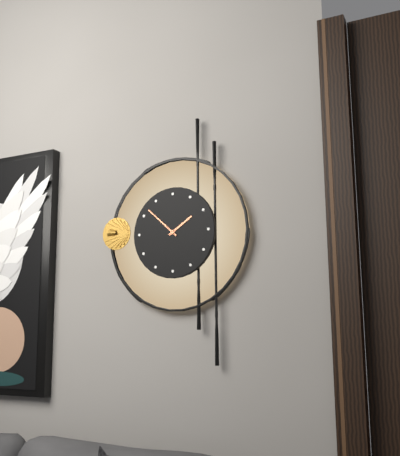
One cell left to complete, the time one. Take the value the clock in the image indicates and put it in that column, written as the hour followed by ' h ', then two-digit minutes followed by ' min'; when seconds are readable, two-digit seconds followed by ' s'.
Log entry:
1 h 52 min
